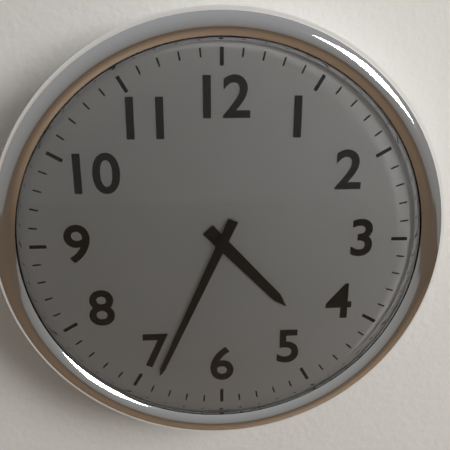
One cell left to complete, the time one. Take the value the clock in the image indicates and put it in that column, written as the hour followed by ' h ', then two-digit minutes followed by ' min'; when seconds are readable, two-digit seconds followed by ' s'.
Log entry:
4 h 34 min
